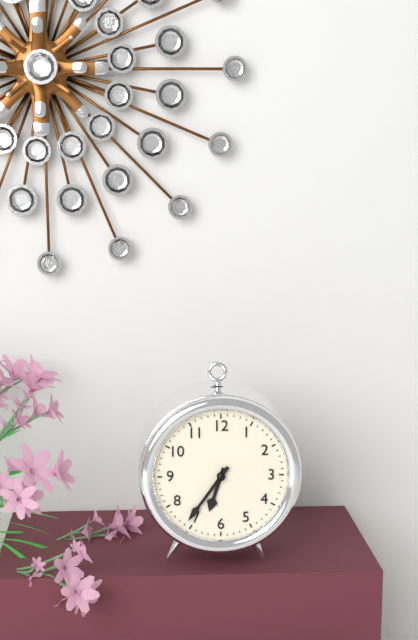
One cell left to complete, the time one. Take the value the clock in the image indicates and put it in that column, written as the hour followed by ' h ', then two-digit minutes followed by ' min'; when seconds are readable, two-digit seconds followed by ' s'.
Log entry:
6 h 36 min
